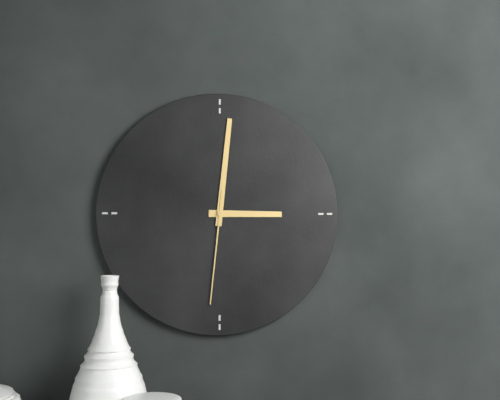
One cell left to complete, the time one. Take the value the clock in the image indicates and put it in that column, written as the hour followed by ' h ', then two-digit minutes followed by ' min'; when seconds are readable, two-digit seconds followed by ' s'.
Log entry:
3 h 01 min 31 s
